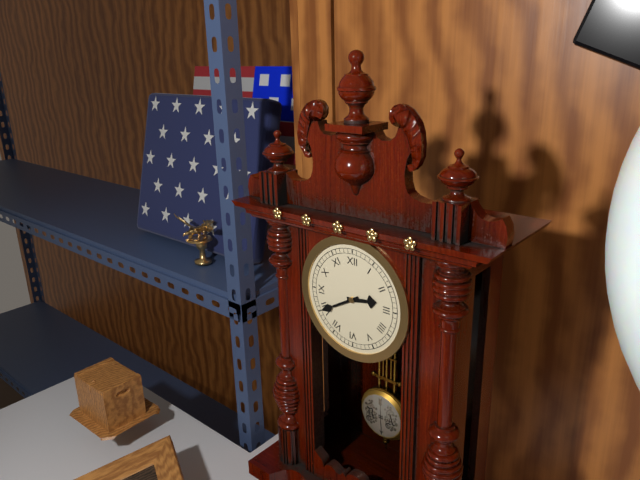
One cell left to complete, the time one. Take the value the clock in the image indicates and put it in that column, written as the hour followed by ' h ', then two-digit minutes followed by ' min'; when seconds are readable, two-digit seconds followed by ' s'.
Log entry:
2 h 40 min
